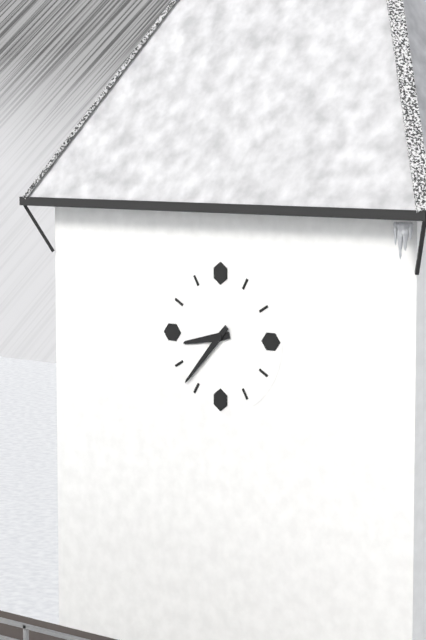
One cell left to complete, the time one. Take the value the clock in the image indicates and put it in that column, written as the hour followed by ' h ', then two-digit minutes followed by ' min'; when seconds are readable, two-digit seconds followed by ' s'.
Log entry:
8 h 37 min
